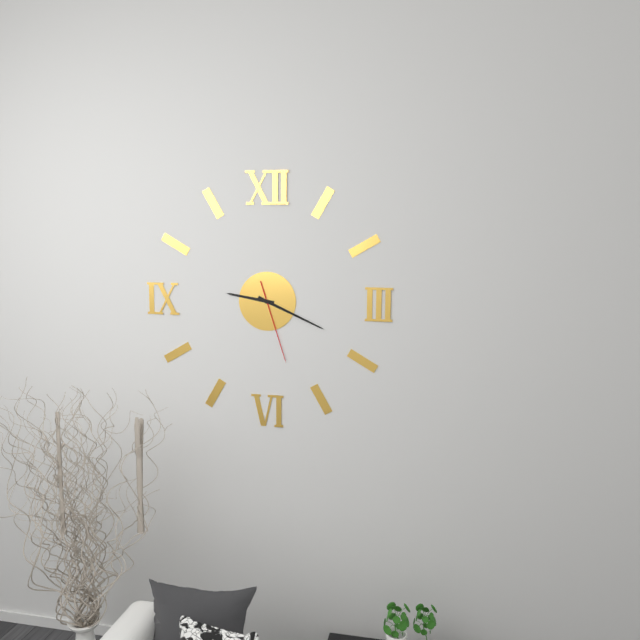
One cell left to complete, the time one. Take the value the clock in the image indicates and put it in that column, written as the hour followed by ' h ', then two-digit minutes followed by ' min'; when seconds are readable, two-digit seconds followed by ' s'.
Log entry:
9 h 19 min 27 s
